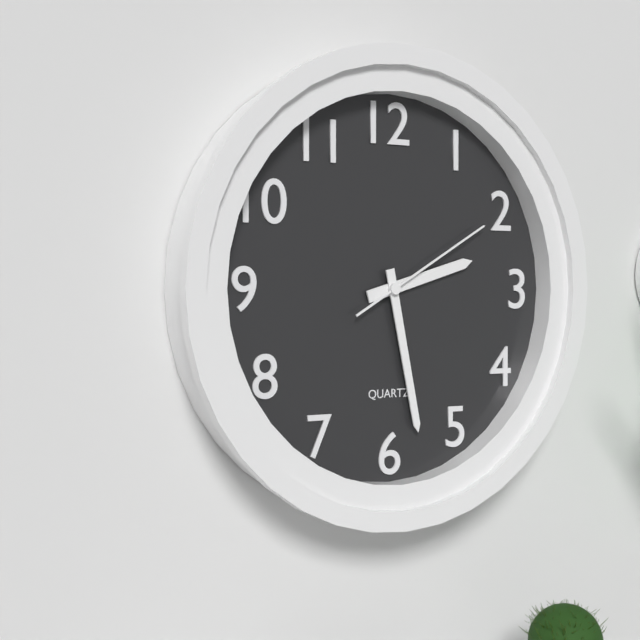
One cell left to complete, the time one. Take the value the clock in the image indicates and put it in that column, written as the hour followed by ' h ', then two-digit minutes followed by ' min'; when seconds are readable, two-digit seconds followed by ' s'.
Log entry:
2 h 28 min 10 s
